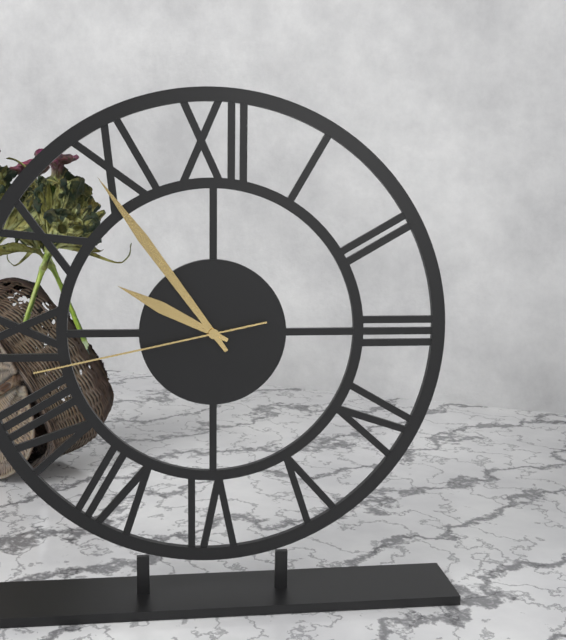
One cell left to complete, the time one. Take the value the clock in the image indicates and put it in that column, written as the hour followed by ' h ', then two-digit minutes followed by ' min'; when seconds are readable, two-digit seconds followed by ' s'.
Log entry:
9 h 54 min 43 s
